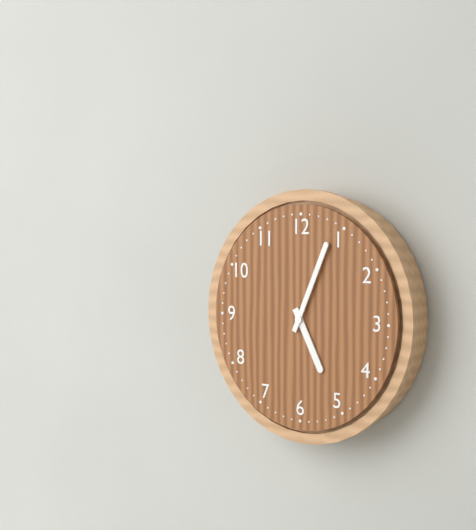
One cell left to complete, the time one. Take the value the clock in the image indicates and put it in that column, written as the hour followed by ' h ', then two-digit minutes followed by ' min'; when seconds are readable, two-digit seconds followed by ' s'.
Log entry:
5 h 04 min
